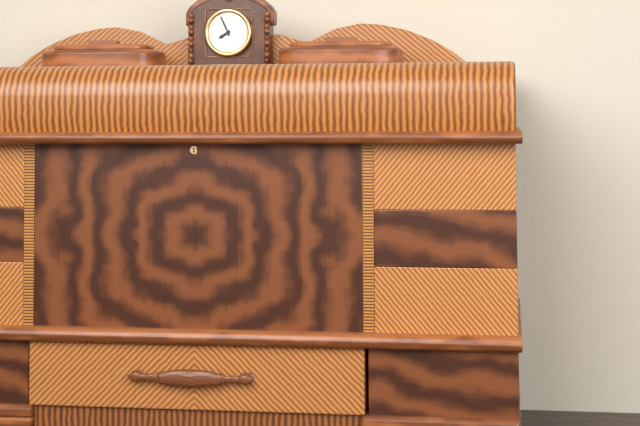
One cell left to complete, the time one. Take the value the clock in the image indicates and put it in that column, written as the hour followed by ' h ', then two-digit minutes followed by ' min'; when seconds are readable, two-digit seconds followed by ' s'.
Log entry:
7 h 56 min
